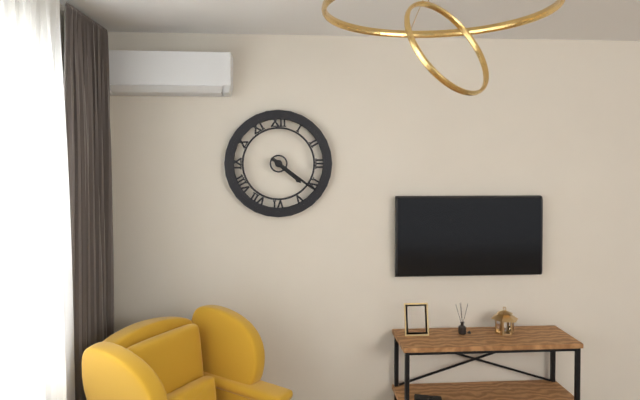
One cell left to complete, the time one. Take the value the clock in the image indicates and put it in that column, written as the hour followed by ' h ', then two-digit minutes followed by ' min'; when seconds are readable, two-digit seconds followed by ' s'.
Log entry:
4 h 21 min
